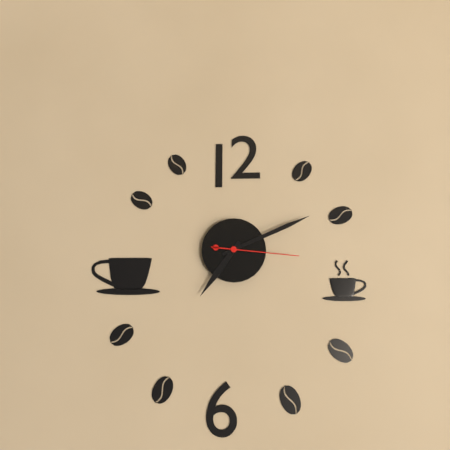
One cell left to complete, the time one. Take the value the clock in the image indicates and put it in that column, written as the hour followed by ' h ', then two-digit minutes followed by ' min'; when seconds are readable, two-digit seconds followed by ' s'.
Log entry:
7 h 11 min 16 s
